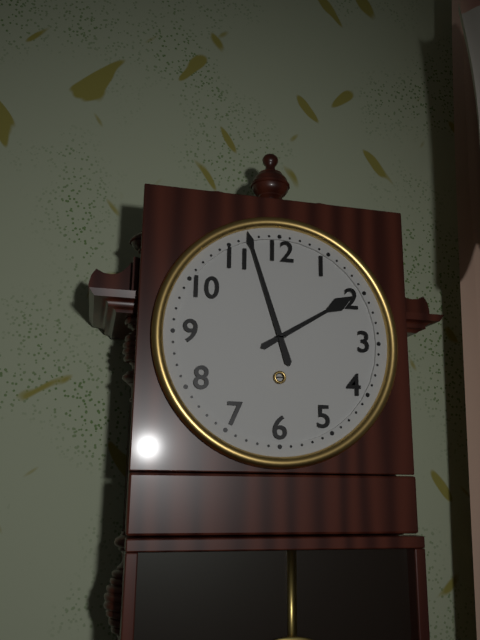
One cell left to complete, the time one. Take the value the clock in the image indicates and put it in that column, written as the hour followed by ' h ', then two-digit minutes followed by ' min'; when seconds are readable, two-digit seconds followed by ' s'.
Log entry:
1 h 57 min
